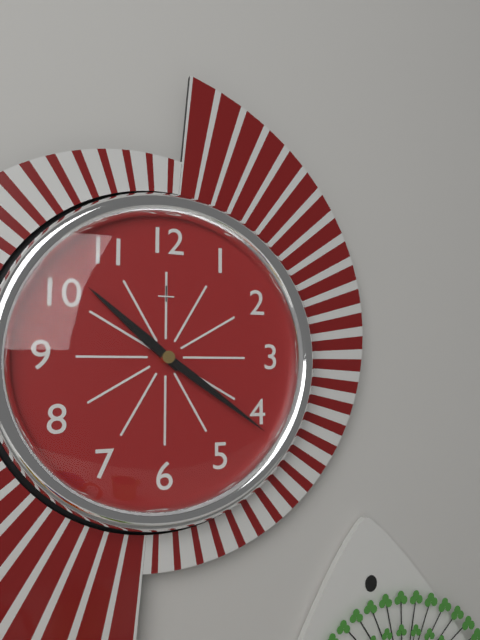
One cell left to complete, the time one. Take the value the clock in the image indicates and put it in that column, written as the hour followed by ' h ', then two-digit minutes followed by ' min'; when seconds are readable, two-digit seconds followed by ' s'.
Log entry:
10 h 21 min
